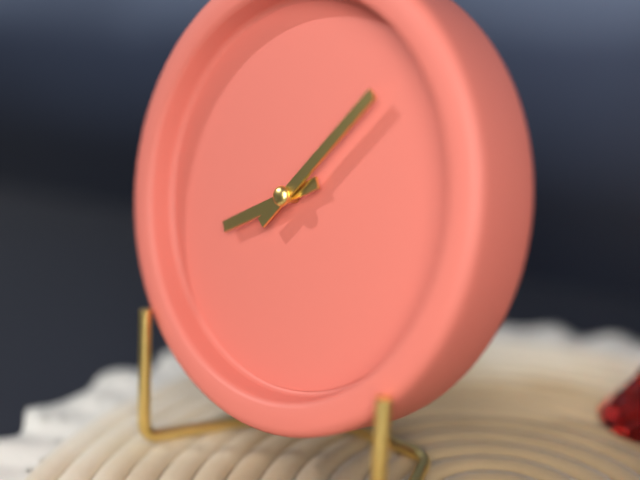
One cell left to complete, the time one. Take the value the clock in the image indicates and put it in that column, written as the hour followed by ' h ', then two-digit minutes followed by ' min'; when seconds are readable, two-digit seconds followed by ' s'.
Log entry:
8 h 07 min
